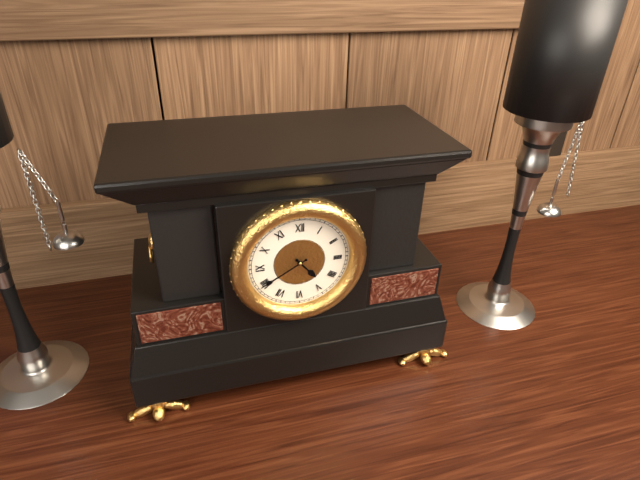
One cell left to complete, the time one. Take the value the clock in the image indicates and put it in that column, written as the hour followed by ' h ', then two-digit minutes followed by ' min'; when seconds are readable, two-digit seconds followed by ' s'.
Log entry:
4 h 40 min
